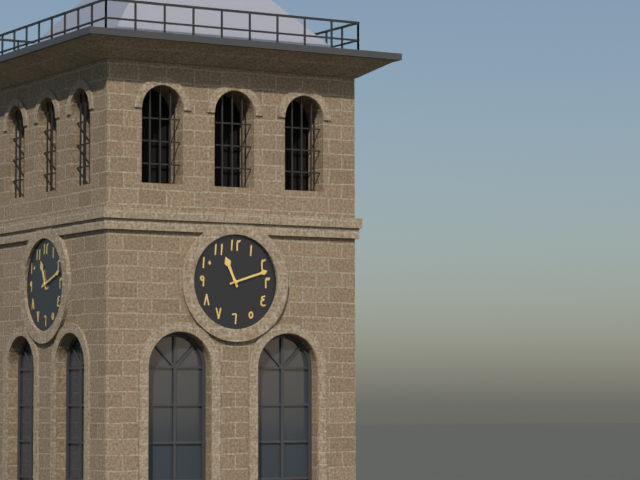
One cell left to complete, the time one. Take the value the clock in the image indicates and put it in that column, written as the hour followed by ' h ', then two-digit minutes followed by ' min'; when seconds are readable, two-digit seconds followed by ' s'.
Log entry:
11 h 12 min
